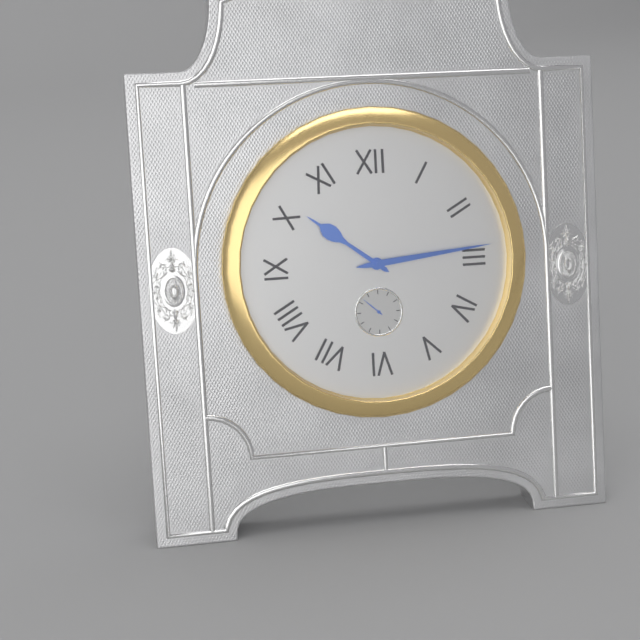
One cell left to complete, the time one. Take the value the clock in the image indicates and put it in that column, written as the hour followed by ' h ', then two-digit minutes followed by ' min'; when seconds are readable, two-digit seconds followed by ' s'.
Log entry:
10 h 14 min
